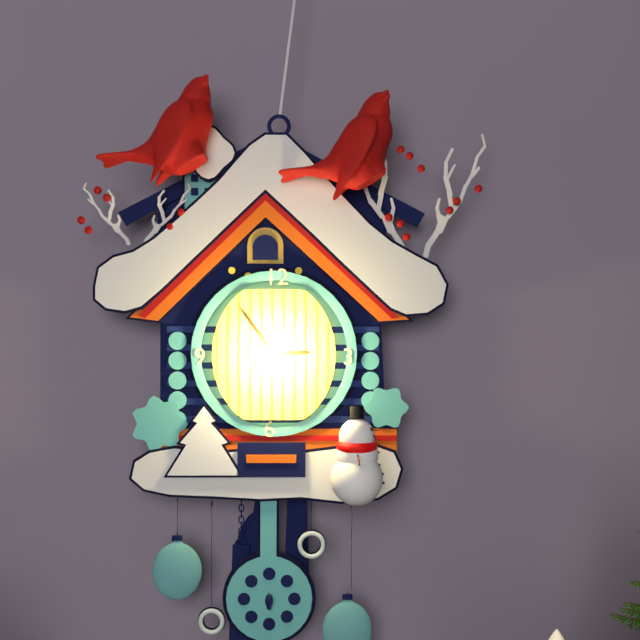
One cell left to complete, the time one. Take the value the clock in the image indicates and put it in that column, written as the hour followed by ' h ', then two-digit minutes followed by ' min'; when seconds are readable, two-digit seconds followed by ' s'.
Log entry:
2 h 54 min
